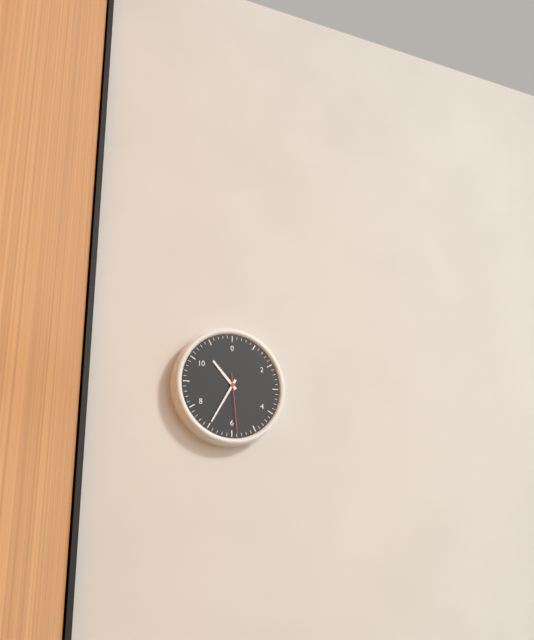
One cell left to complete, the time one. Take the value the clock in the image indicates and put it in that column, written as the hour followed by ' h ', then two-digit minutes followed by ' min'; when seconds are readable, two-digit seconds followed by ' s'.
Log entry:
10 h 35 min 29 s
